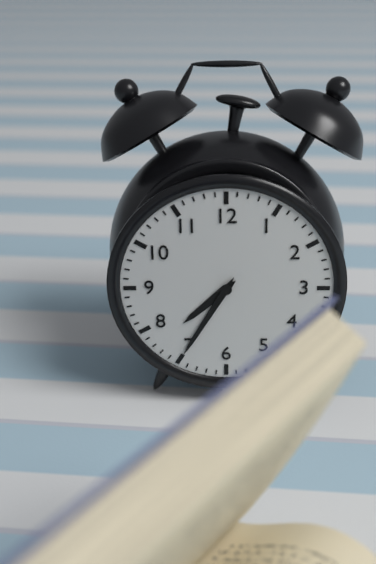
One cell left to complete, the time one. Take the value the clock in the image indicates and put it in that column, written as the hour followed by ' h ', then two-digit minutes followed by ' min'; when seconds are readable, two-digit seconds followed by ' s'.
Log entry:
7 h 35 min
